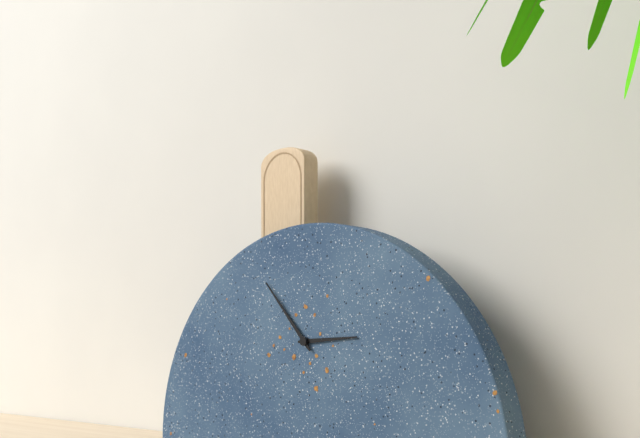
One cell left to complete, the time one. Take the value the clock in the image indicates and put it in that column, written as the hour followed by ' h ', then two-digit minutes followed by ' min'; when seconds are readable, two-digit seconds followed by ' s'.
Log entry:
2 h 53 min
